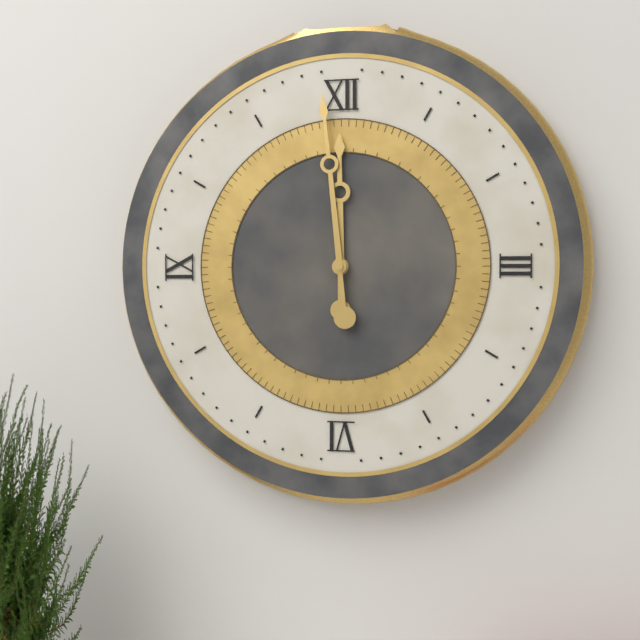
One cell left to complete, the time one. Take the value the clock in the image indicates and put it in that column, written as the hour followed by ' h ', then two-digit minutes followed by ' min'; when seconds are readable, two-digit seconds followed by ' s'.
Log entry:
11 h 59 min
